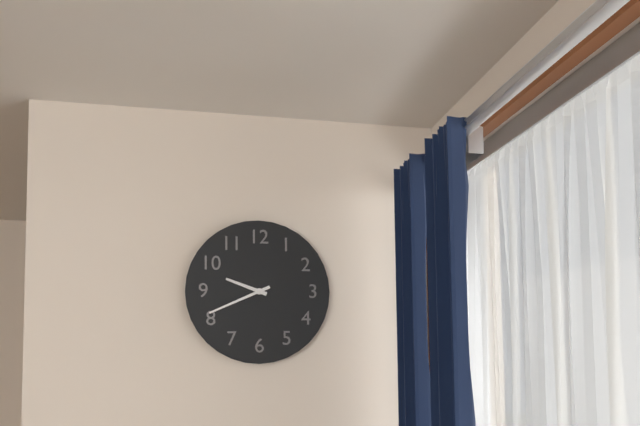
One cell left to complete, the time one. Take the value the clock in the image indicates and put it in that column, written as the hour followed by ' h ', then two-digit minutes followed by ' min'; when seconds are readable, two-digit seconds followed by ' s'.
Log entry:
9 h 41 min
